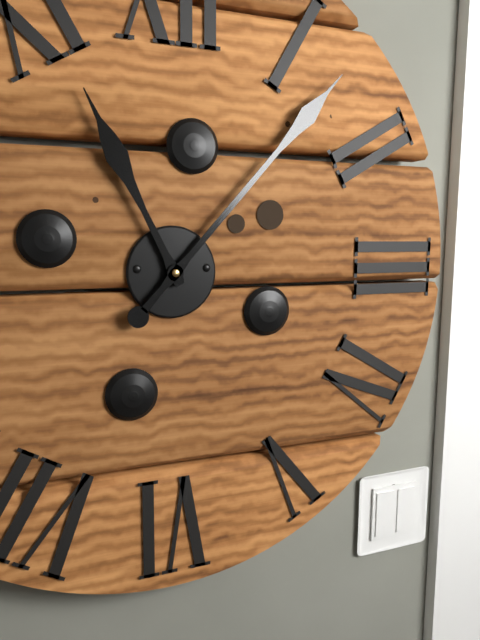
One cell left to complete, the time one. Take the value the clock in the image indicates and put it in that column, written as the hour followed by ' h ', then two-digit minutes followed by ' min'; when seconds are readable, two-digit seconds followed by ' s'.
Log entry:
11 h 07 min
